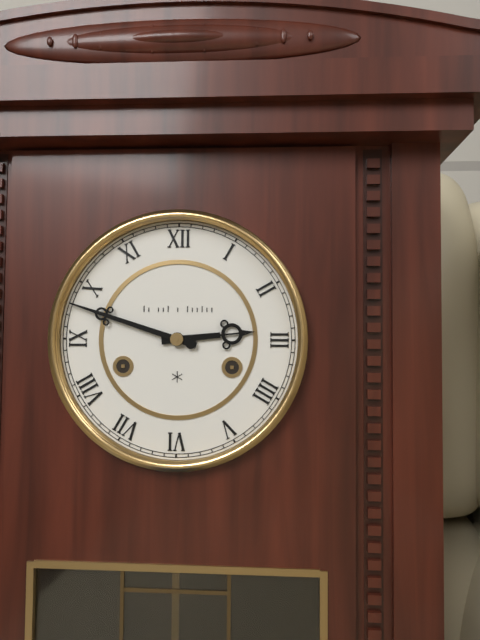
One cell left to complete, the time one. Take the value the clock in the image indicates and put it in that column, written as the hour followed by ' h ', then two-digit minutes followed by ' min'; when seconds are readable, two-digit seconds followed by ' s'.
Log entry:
2 h 48 min
